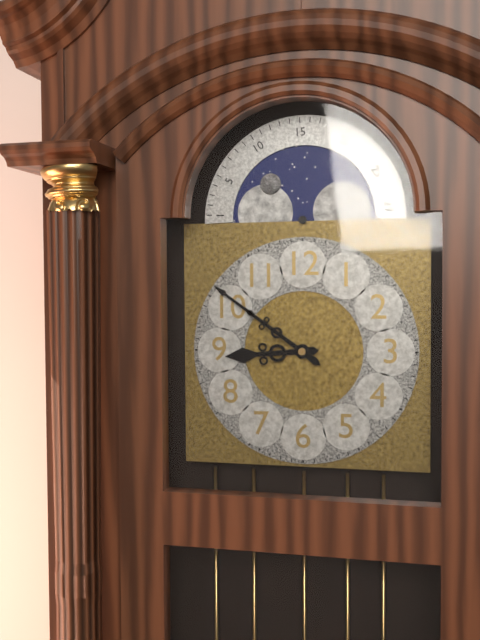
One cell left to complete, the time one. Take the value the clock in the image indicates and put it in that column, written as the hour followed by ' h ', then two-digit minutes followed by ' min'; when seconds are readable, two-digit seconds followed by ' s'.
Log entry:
8 h 51 min
